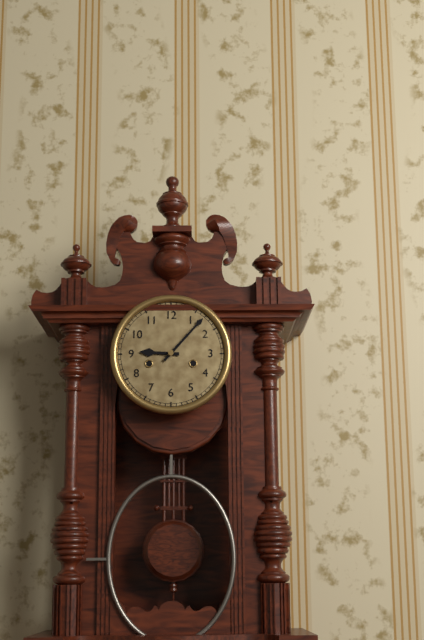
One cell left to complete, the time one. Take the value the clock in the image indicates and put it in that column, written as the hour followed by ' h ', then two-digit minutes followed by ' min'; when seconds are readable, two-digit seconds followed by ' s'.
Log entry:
9 h 07 min
